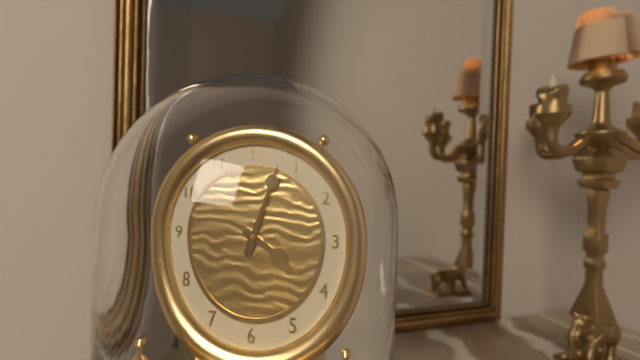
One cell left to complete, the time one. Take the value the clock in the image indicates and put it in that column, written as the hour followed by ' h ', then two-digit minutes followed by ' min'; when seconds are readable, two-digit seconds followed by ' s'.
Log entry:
4 h 03 min
